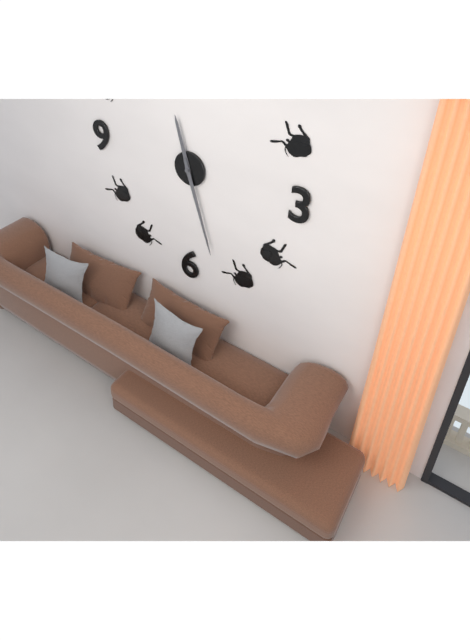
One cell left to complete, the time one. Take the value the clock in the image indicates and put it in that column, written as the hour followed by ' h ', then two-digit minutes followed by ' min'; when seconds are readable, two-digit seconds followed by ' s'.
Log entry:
11 h 27 min
